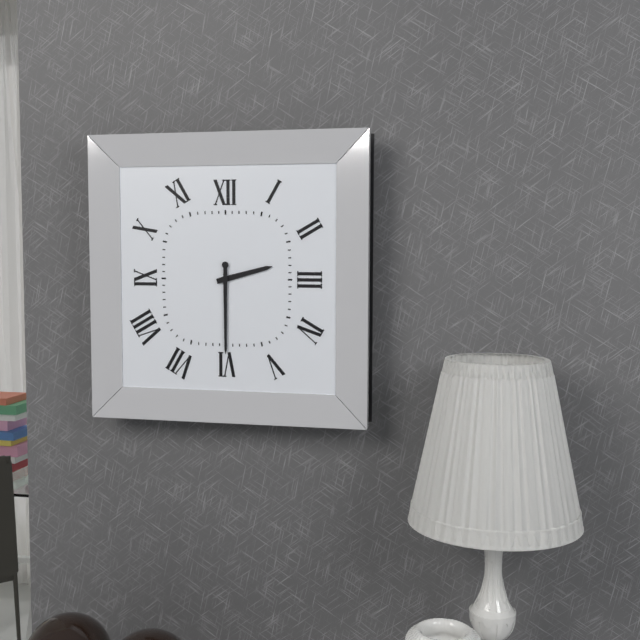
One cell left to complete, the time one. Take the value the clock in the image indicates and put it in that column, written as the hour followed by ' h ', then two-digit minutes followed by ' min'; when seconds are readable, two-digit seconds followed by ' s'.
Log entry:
2 h 30 min
